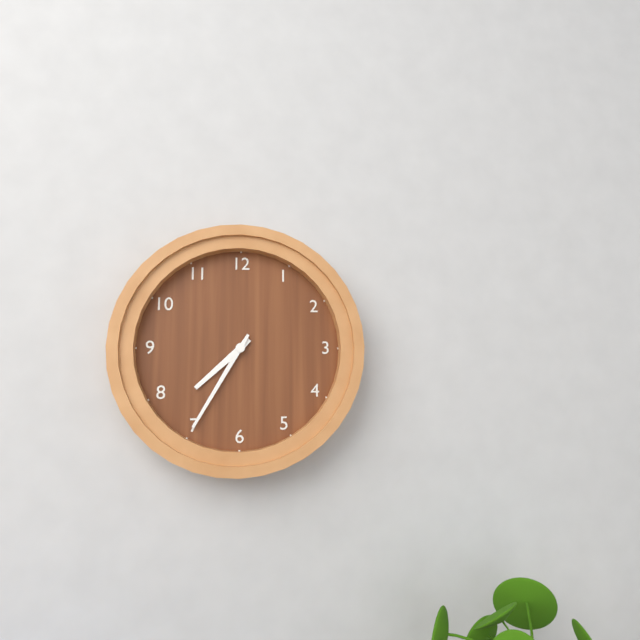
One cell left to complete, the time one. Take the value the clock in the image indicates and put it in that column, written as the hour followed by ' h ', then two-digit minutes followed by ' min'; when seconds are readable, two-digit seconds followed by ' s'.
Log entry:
7 h 35 min
